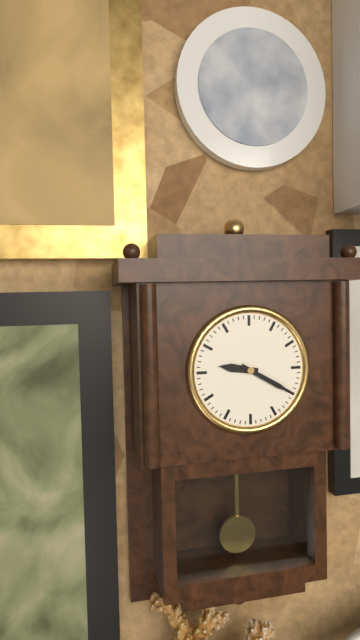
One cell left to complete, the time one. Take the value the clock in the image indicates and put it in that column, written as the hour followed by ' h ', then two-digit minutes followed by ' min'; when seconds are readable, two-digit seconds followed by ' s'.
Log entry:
9 h 20 min
